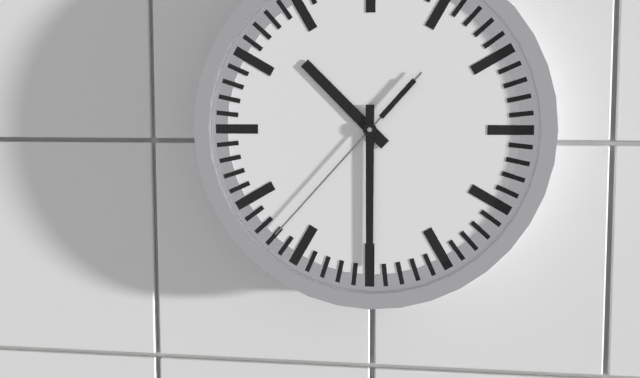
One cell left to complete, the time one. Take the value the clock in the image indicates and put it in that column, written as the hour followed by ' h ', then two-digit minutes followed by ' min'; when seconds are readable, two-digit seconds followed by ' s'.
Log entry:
10 h 30 min 37 s
